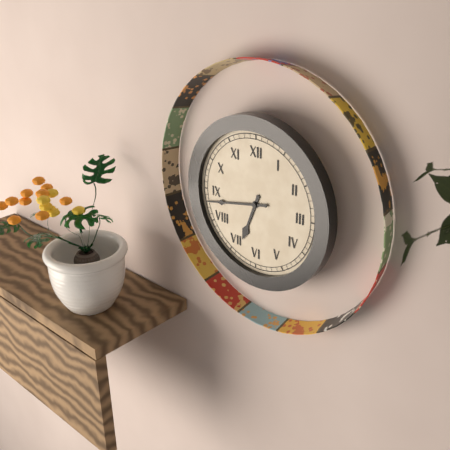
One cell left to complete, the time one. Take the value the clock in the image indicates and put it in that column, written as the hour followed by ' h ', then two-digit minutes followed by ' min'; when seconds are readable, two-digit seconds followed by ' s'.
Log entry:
6 h 43 min
